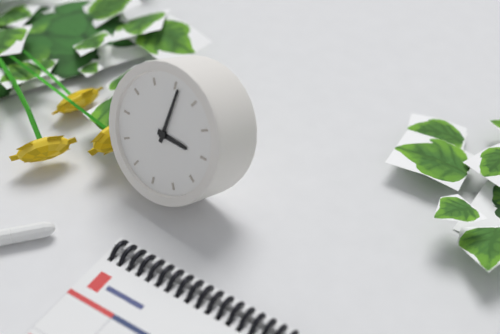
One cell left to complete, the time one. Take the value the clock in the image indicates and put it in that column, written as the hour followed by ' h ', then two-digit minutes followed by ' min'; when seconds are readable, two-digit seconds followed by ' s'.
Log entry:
3 h 01 min
